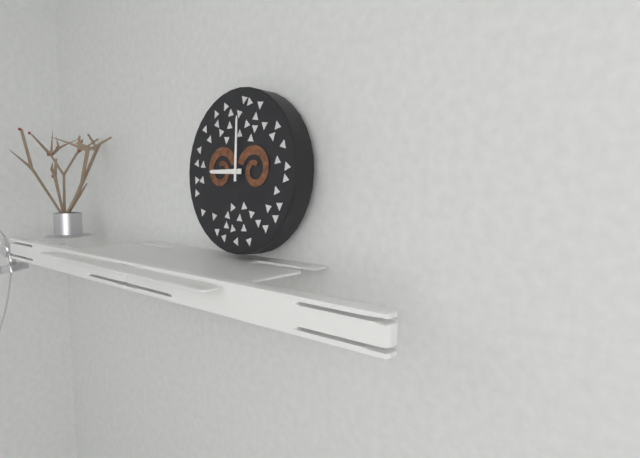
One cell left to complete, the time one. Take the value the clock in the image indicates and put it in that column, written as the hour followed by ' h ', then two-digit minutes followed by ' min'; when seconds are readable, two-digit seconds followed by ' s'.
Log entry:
9 h 00 min
